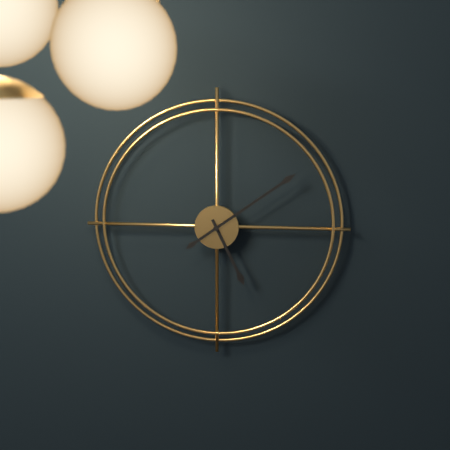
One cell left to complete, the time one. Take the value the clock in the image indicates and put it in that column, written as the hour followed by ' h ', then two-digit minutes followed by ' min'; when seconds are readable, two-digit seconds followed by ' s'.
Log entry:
5 h 09 min
